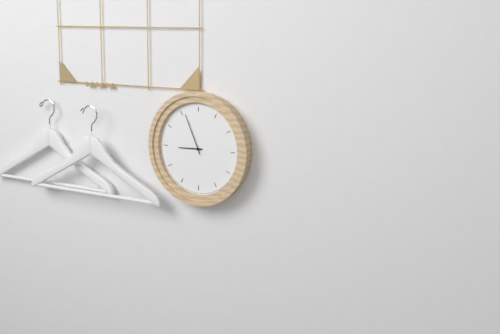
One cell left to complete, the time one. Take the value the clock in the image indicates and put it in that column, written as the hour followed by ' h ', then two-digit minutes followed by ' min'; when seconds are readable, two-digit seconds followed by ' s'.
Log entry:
8 h 56 min
